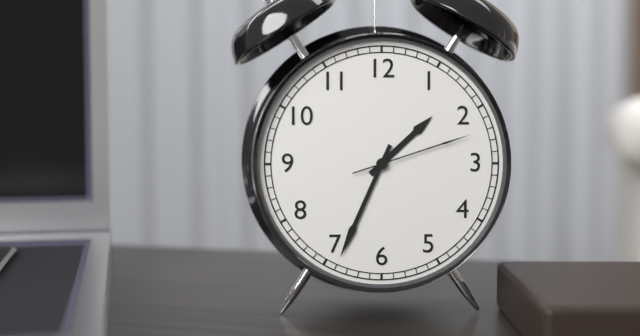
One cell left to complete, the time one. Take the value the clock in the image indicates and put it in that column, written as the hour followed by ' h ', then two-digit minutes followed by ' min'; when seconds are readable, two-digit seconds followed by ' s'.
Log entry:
1 h 34 min 12 s
